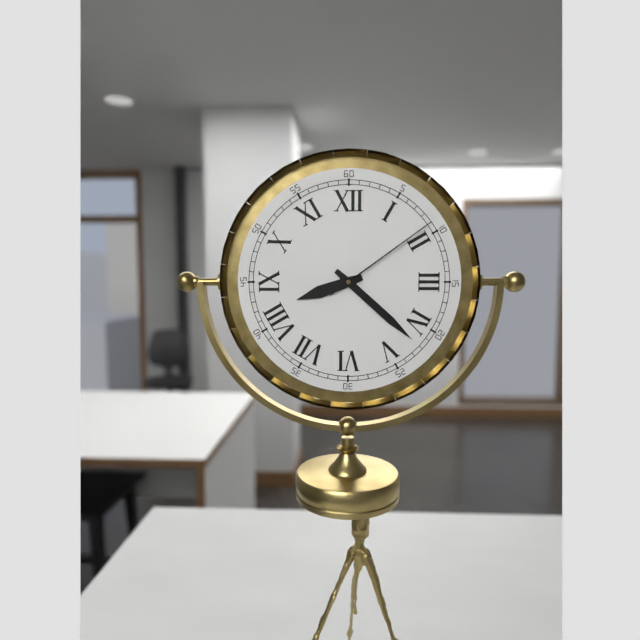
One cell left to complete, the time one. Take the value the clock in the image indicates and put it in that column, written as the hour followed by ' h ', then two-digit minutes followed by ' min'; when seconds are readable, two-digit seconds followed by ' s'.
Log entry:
8 h 22 min 09 s
